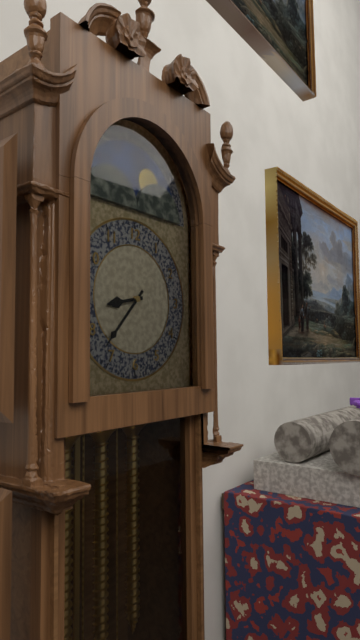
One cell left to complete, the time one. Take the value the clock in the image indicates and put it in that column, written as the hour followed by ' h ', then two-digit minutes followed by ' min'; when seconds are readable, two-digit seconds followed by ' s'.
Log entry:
8 h 37 min
